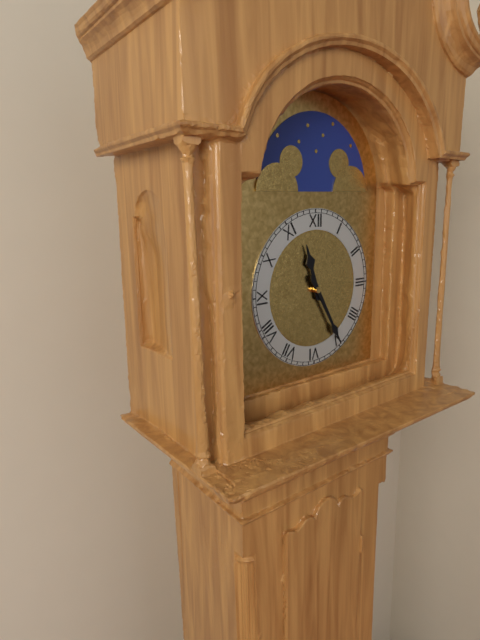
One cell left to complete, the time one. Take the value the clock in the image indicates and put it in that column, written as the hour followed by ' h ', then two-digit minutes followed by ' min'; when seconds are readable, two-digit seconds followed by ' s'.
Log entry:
11 h 25 min
